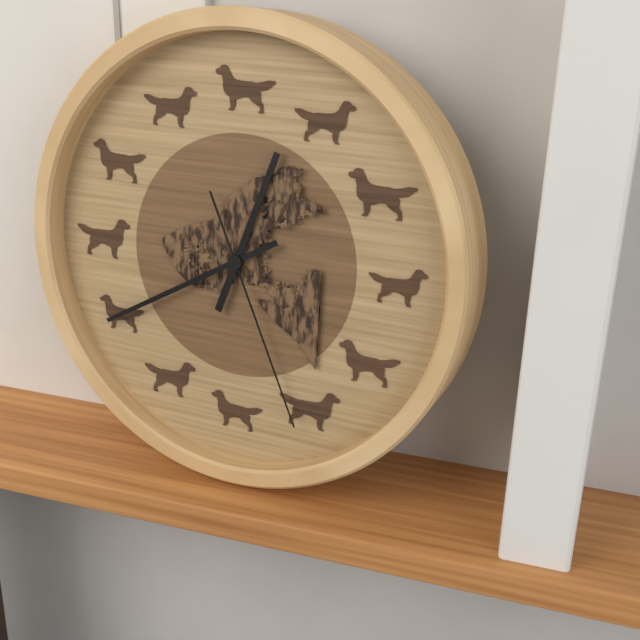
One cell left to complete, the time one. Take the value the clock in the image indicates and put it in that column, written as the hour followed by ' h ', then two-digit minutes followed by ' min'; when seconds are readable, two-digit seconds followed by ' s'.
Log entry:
12 h 40 min 26 s
